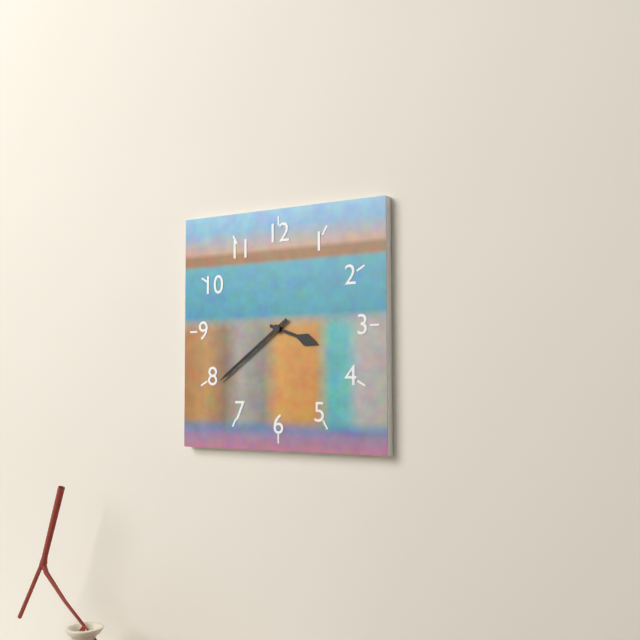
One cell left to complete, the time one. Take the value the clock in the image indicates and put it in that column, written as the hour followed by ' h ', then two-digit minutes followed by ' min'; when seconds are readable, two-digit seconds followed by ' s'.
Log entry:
3 h 39 min
